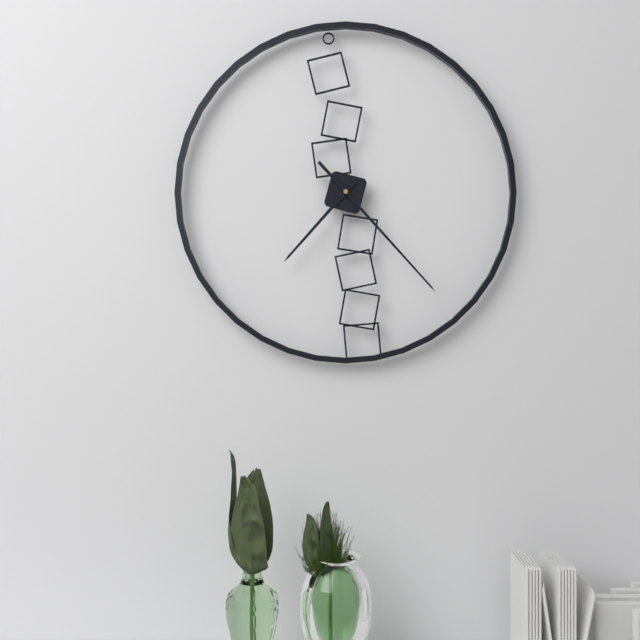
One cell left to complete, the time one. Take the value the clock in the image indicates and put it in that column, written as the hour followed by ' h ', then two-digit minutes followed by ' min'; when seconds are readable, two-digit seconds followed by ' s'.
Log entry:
7 h 23 min
